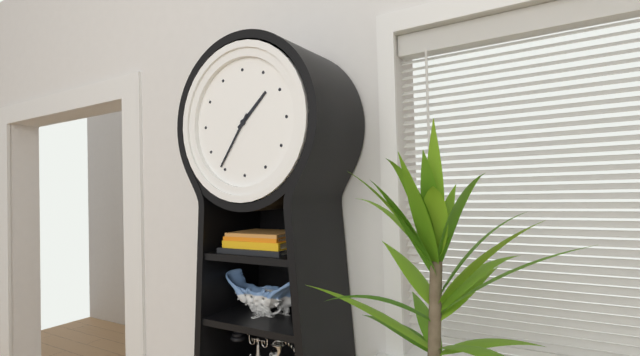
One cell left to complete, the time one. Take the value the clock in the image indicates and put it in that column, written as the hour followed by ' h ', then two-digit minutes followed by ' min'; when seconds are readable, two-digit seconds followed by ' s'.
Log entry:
1 h 36 min
